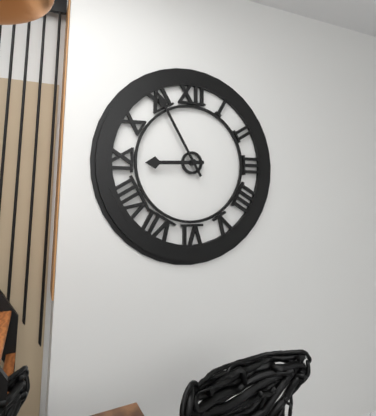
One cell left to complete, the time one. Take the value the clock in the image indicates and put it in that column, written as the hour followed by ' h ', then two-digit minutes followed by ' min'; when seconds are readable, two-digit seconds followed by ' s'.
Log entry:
8 h 55 min
